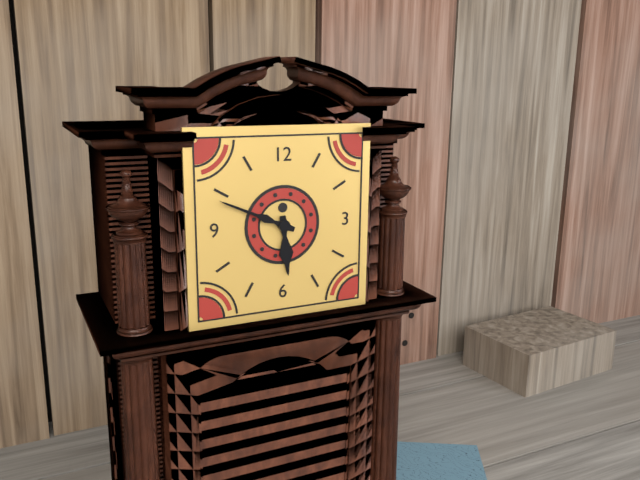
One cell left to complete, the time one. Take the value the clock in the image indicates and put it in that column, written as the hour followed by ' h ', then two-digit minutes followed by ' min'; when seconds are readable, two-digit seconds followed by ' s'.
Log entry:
5 h 49 min
